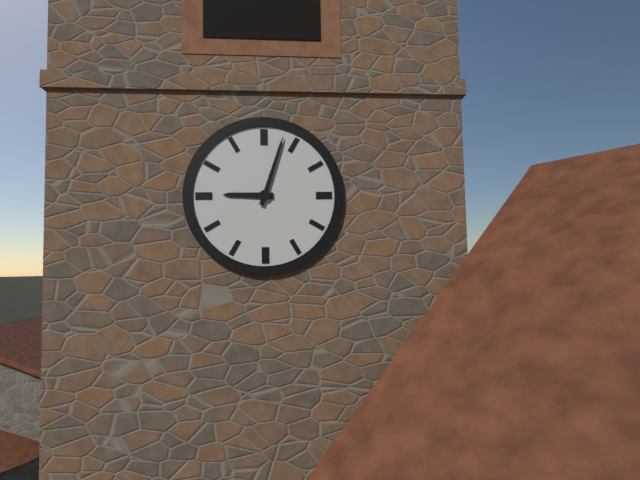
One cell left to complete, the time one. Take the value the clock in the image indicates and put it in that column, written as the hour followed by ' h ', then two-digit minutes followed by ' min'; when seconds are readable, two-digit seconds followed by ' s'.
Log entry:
9 h 03 min
